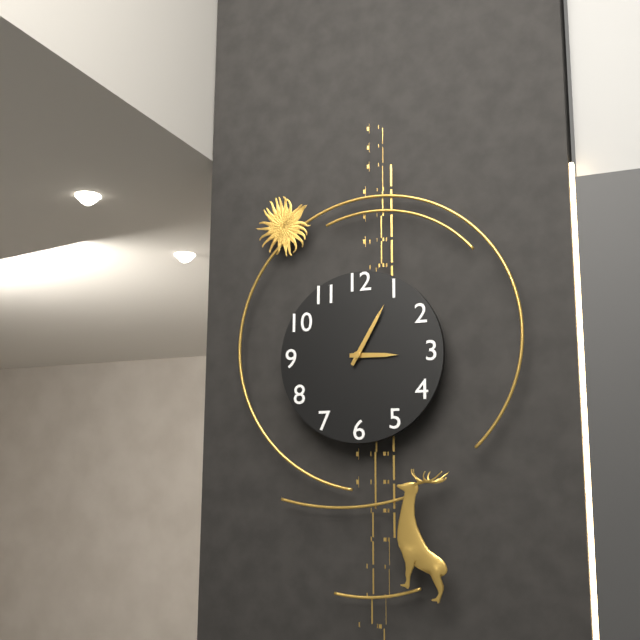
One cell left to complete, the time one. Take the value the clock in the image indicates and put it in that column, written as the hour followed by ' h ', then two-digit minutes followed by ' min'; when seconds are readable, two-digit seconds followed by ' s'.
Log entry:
3 h 05 min
